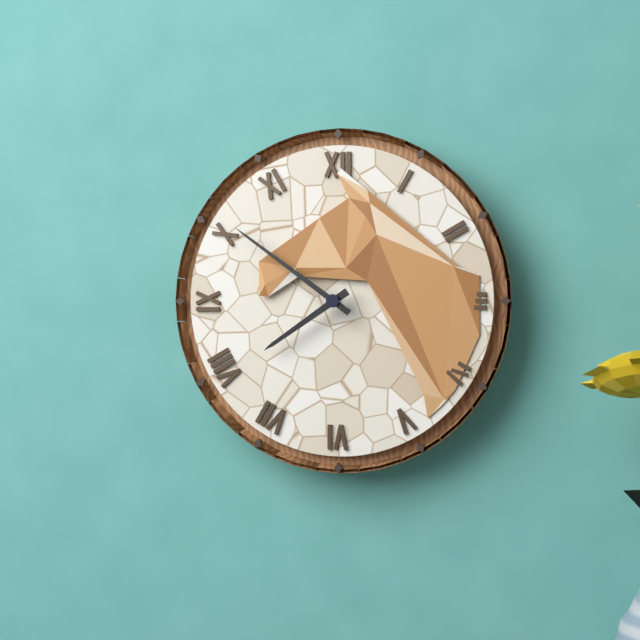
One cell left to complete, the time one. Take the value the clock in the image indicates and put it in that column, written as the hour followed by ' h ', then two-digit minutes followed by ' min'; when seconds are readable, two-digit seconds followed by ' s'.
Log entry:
7 h 51 min
